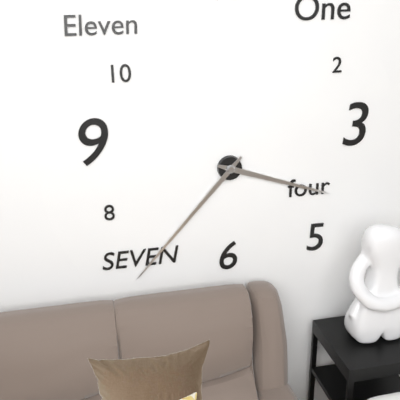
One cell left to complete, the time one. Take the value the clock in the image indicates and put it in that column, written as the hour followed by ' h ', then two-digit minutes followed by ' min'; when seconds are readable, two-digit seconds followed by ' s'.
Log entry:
3 h 37 min
